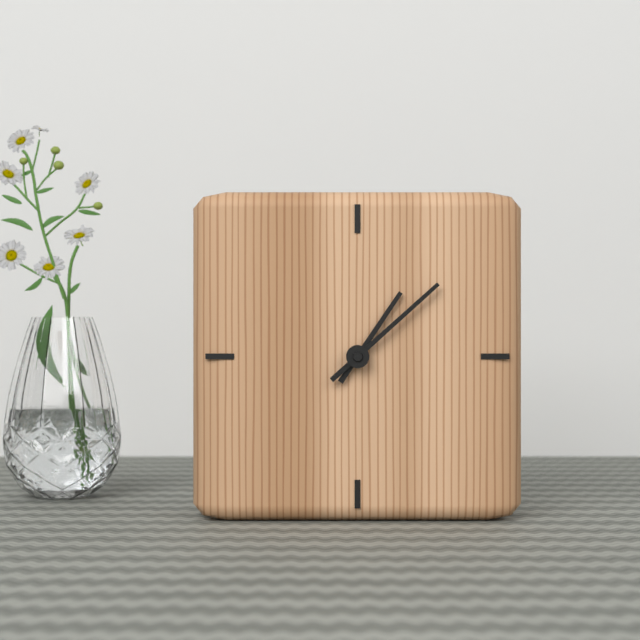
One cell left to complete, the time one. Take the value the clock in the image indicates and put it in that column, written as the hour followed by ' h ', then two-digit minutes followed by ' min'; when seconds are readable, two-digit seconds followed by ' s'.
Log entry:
1 h 08 min
